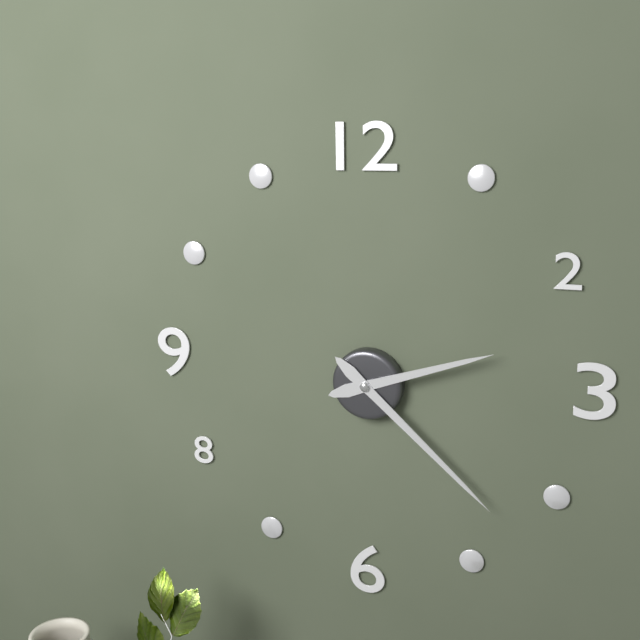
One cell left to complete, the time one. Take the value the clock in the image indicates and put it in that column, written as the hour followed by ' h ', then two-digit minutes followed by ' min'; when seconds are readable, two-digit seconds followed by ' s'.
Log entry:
2 h 22 min
